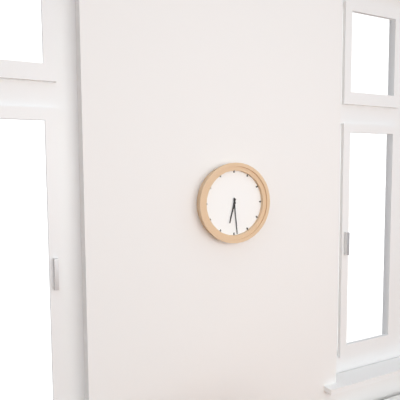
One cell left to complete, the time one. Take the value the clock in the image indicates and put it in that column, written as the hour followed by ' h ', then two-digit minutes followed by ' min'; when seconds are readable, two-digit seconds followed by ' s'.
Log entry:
6 h 29 min
